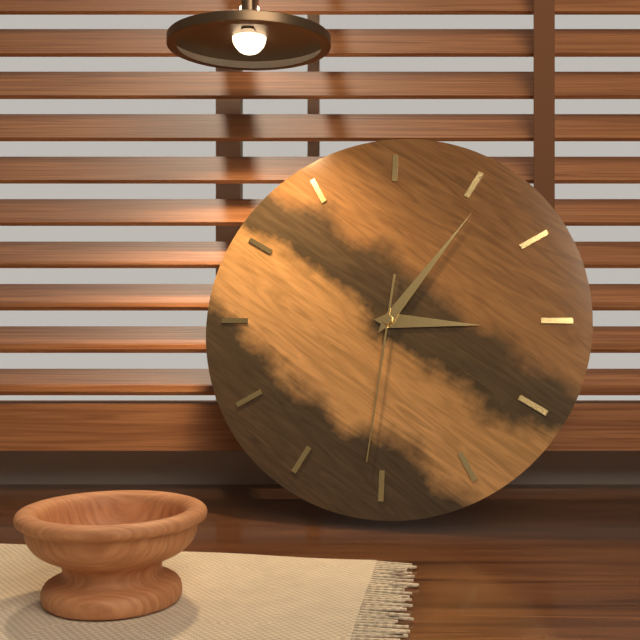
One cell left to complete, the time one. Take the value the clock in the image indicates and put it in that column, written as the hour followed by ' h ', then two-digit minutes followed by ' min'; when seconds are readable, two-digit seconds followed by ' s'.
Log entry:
3 h 06 min 31 s
